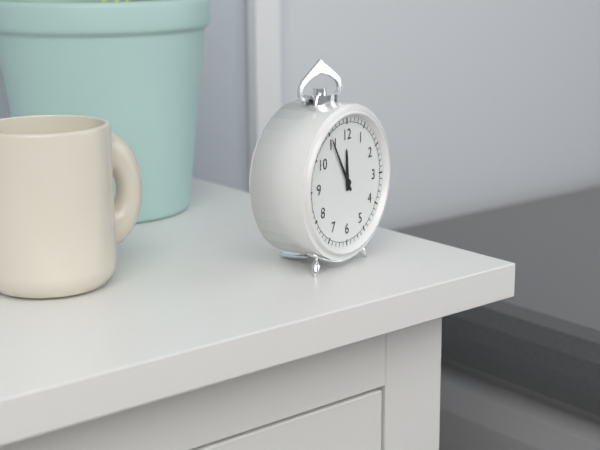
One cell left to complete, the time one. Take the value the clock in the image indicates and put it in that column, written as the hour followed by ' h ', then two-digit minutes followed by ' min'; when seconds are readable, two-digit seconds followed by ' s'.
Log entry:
11 h 55 min
